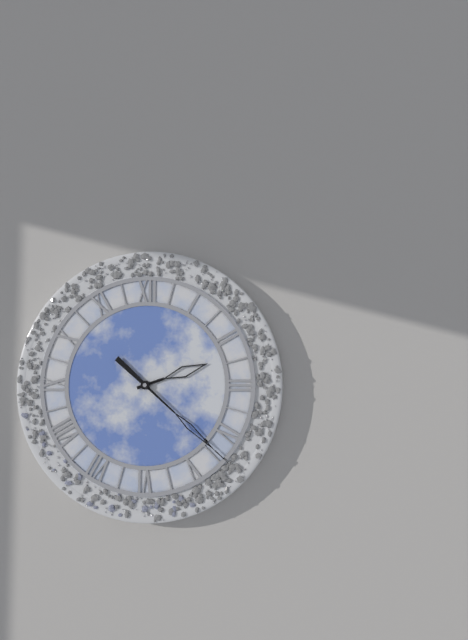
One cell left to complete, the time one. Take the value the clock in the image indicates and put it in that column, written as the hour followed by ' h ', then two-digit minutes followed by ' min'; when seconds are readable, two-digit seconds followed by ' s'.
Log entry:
2 h 22 min
